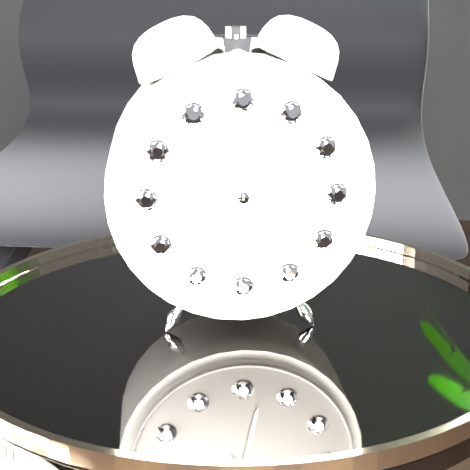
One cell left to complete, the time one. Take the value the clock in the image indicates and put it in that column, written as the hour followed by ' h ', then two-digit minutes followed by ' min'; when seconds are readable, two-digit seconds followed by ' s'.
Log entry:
9 h 28 min 07 s
